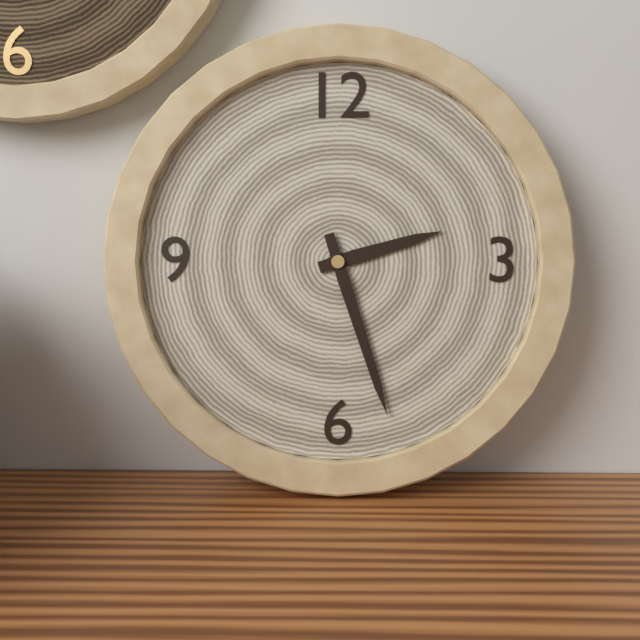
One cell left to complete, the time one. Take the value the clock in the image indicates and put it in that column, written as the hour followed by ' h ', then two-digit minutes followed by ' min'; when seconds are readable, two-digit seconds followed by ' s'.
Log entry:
2 h 27 min
